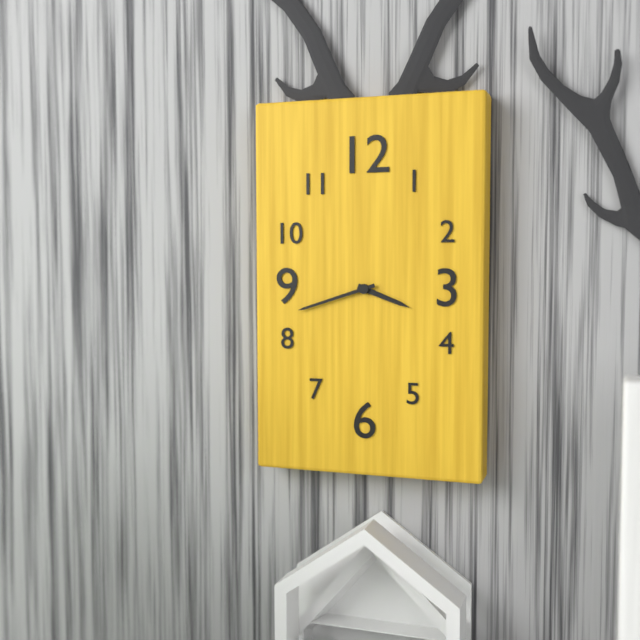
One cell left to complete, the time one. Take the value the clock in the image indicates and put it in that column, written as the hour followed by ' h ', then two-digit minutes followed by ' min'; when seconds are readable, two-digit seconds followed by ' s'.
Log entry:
3 h 42 min
